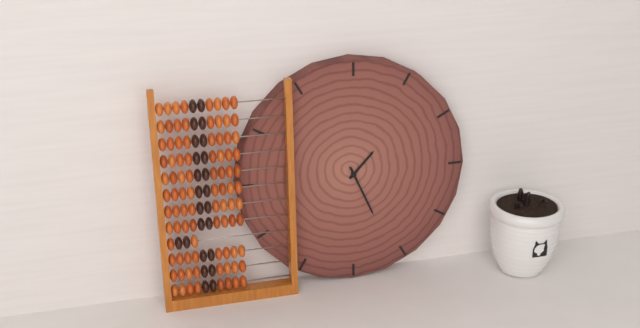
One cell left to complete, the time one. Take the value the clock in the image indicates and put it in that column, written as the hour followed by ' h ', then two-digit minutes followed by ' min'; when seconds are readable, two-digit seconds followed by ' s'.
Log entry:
1 h 26 min
